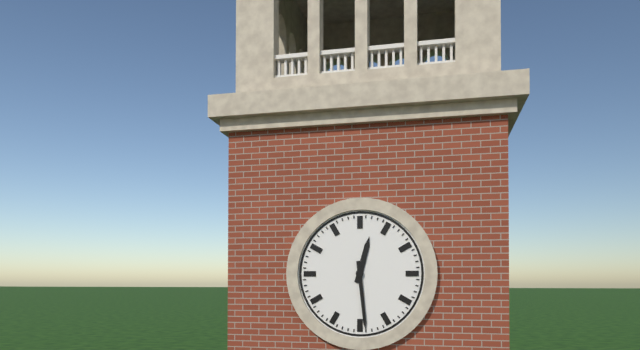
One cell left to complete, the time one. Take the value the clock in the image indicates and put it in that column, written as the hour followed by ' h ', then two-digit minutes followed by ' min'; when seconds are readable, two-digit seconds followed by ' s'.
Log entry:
12 h 29 min
